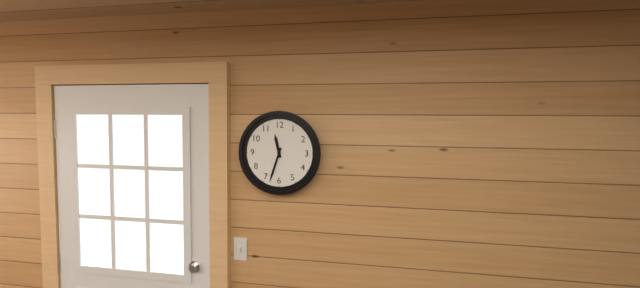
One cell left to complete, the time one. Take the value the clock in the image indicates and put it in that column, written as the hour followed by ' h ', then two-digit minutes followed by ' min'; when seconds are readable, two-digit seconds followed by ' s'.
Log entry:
11 h 33 min
